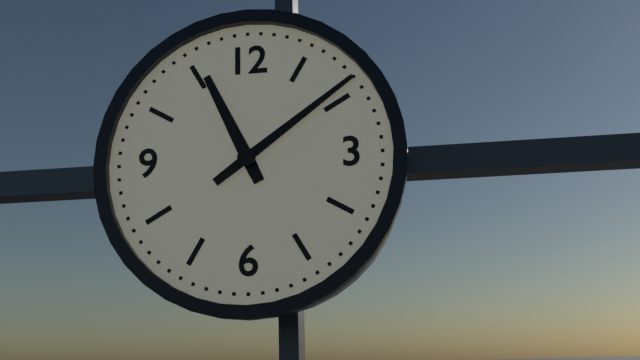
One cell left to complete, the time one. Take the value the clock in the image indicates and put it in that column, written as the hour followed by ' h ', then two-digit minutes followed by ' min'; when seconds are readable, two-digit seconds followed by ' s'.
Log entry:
11 h 09 min
